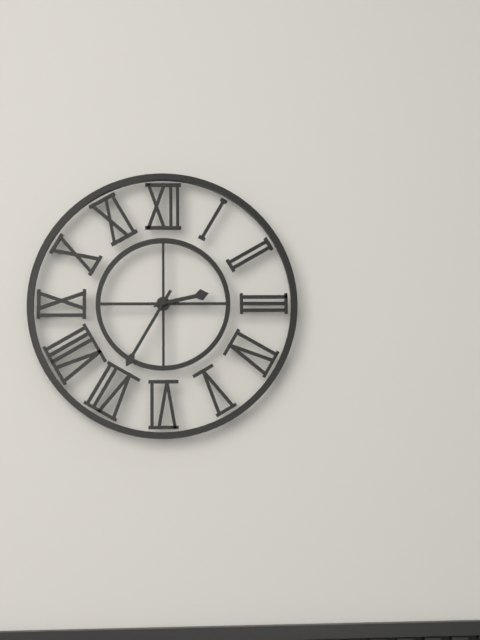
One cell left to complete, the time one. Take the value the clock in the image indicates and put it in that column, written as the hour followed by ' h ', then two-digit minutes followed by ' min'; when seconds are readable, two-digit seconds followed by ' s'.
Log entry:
2 h 35 min
